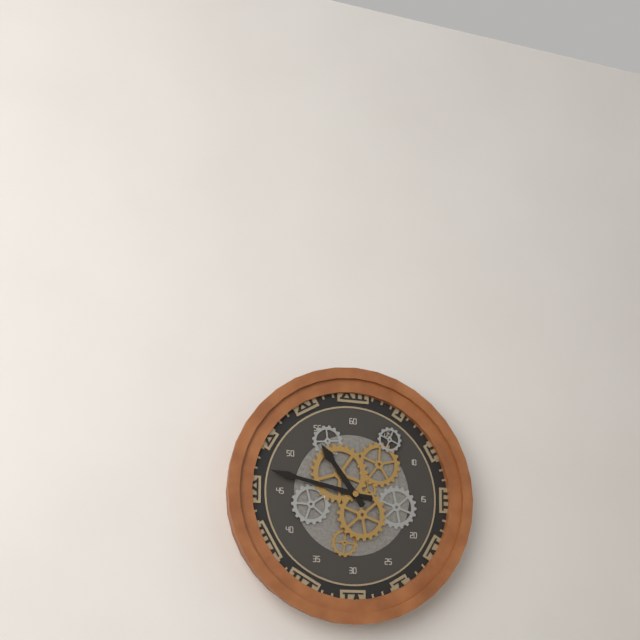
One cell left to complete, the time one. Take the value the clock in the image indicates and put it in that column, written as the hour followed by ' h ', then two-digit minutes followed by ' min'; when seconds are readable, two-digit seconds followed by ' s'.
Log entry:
10 h 47 min
